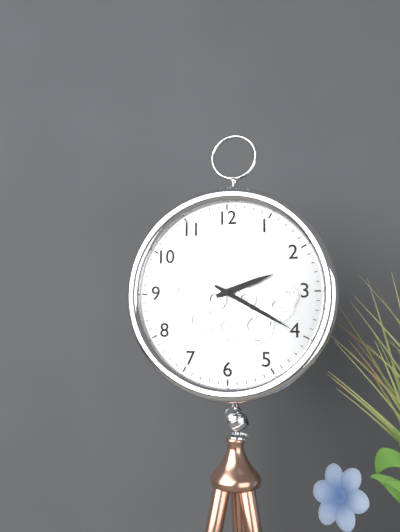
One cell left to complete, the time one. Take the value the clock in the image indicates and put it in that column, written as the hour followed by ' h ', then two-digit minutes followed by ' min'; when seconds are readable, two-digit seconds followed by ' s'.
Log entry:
2 h 20 min
